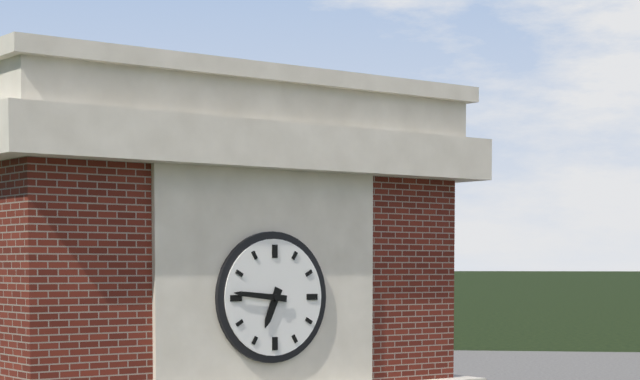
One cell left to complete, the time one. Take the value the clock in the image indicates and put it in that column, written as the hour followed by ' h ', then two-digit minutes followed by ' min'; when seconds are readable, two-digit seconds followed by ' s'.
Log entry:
6 h 46 min
